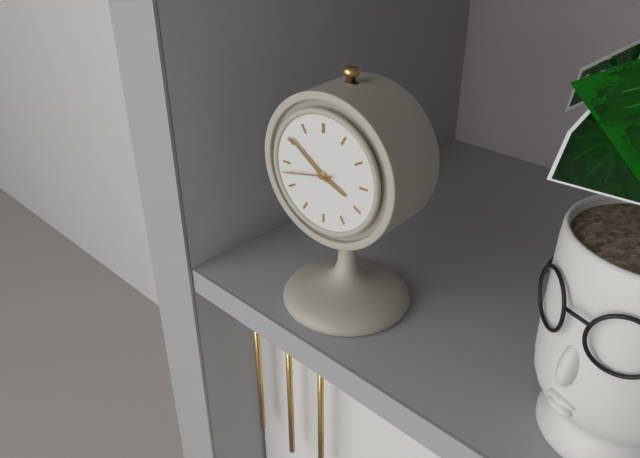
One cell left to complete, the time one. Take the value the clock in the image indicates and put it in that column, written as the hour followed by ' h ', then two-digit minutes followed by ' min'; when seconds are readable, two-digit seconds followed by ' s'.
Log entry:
3 h 51 min 43 s
